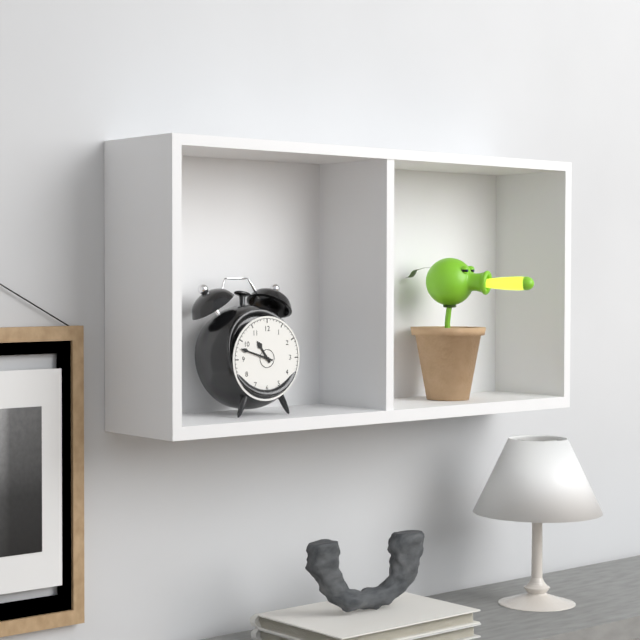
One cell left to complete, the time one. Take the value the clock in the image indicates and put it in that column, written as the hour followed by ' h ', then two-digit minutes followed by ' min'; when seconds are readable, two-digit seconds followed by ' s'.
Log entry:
10 h 48 min
